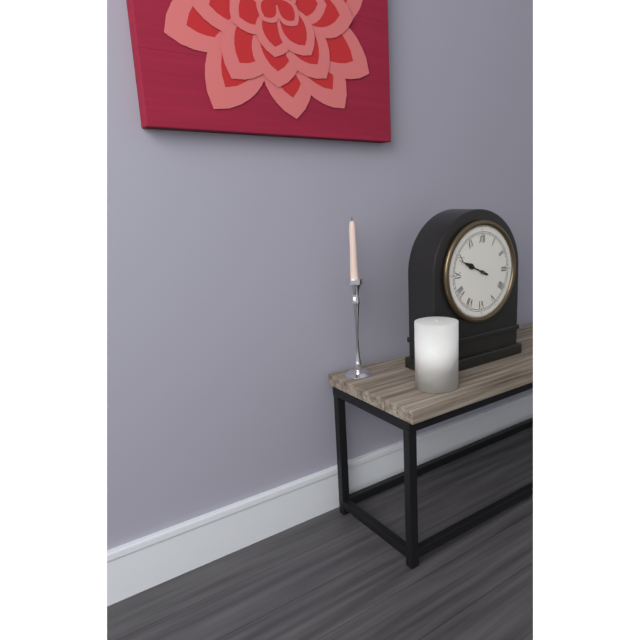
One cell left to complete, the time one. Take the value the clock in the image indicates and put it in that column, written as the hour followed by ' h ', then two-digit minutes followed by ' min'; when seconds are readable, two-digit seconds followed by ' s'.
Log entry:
9 h 49 min
